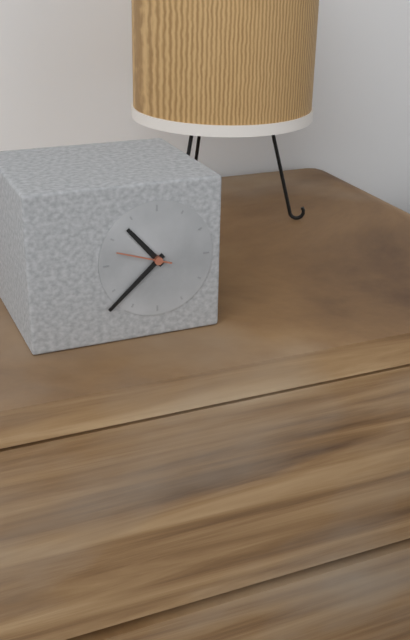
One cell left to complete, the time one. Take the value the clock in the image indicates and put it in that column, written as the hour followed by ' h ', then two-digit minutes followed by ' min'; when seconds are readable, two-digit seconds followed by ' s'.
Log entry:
10 h 38 min 48 s
